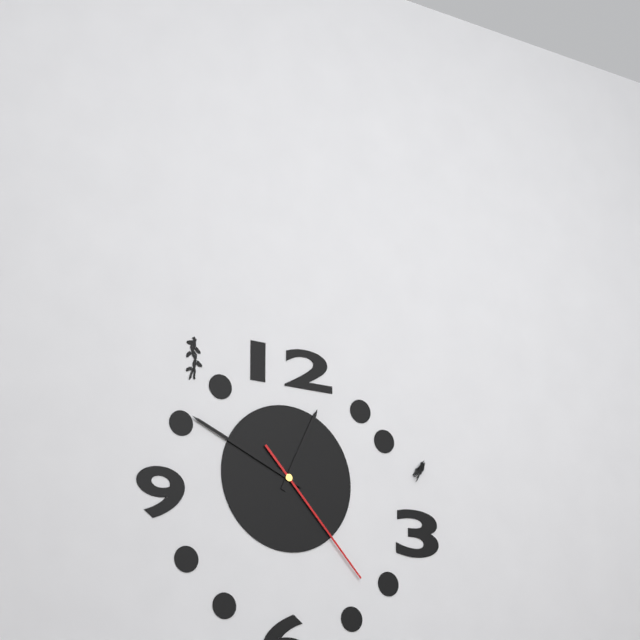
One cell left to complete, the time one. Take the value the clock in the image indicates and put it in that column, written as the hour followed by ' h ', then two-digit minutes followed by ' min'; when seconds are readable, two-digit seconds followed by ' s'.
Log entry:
12 h 49 min 23 s
